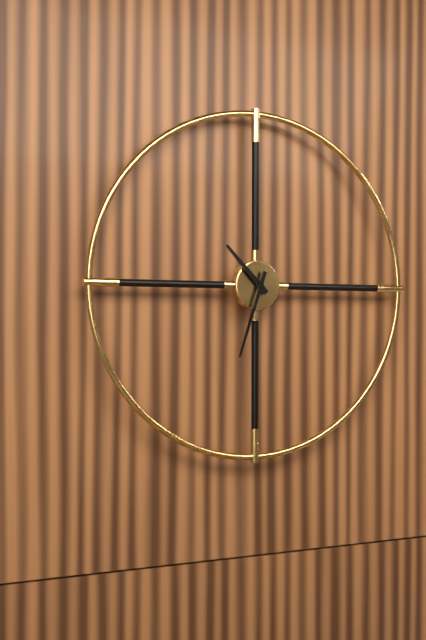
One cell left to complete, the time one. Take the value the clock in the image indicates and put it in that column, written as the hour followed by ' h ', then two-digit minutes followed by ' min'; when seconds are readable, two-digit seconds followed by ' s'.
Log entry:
10 h 33 min
